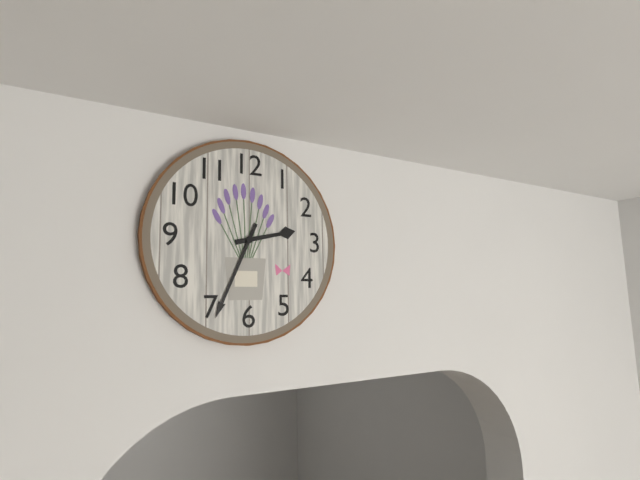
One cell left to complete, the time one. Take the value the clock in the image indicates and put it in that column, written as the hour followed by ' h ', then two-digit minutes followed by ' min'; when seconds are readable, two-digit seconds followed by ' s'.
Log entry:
2 h 34 min
